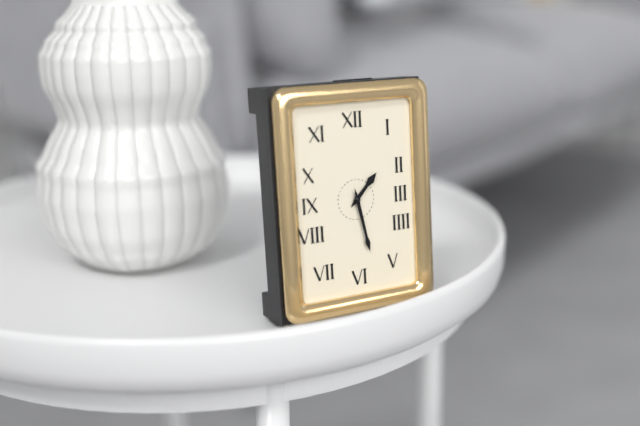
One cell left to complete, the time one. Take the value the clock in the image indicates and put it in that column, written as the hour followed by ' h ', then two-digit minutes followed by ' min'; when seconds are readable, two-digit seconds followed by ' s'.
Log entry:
1 h 28 min
